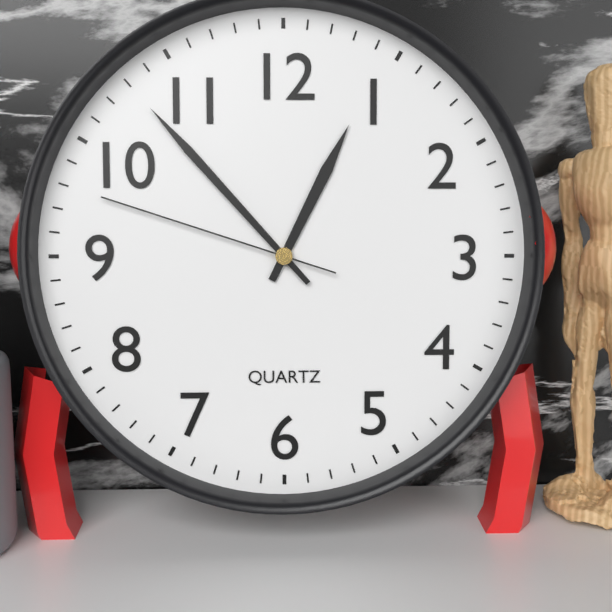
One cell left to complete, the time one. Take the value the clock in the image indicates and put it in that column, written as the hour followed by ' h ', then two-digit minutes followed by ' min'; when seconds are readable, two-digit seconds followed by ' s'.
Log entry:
12 h 53 min 48 s
